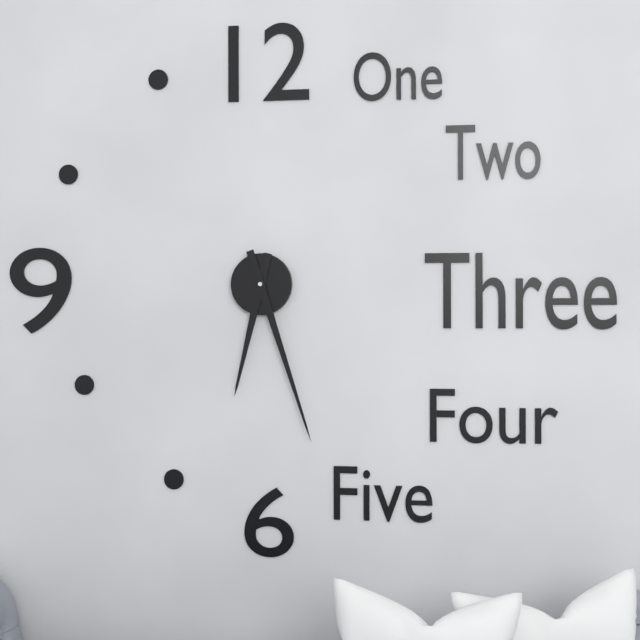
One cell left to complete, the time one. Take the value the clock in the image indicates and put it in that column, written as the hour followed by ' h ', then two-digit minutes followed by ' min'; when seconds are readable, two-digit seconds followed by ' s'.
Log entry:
6 h 27 min
